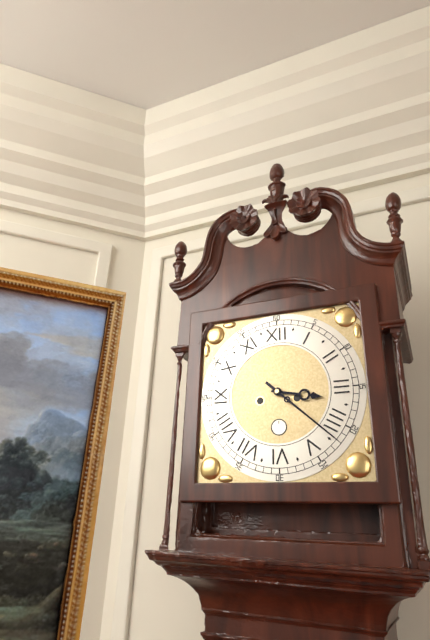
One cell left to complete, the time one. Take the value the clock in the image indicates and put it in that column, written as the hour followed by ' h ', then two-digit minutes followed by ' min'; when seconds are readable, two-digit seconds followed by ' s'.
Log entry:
3 h 22 min
